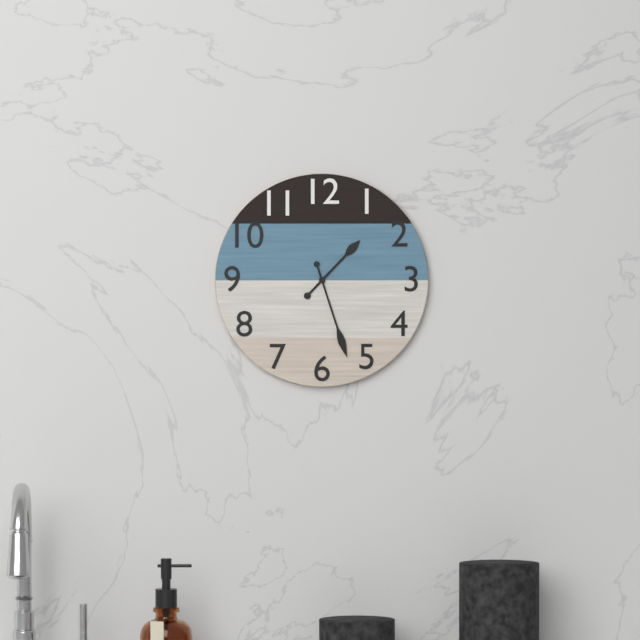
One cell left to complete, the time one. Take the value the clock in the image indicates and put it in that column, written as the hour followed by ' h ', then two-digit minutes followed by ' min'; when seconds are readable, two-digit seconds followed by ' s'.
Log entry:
1 h 27 min
